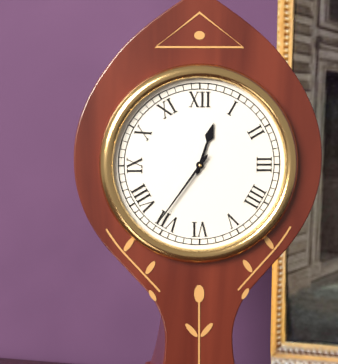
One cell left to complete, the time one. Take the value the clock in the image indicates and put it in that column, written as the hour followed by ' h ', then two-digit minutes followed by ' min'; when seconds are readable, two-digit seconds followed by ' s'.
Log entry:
12 h 36 min
